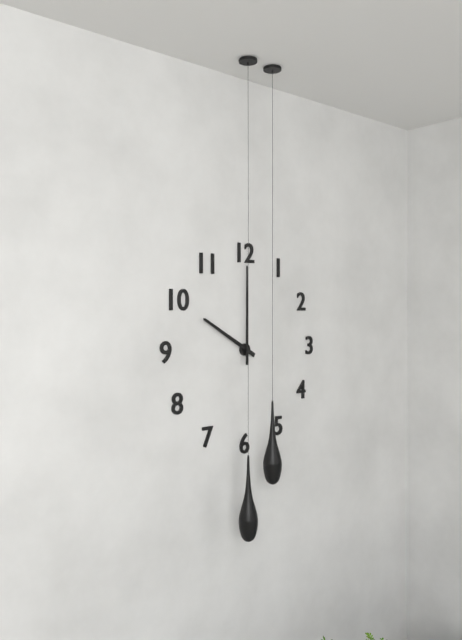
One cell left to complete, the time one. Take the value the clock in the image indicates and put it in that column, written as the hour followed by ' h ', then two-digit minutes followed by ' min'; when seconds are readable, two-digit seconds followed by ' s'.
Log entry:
10 h 00 min
